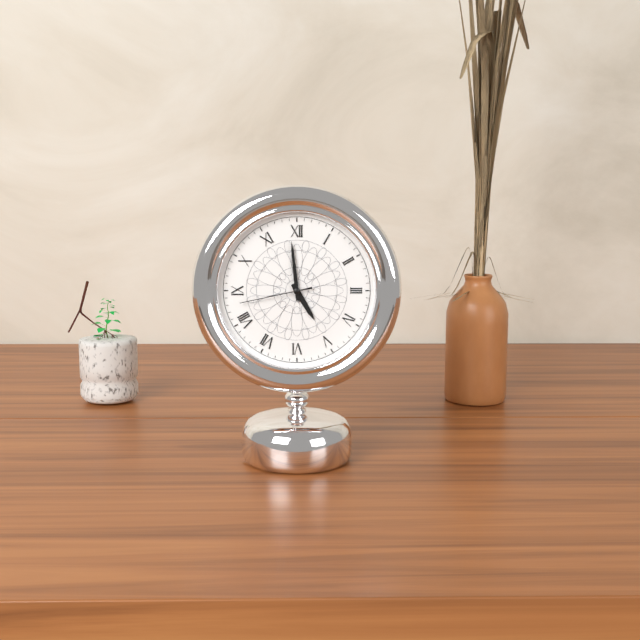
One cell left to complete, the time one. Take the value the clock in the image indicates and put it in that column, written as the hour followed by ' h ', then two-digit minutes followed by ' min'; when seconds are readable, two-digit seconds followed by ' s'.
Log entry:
4 h 59 min 43 s
